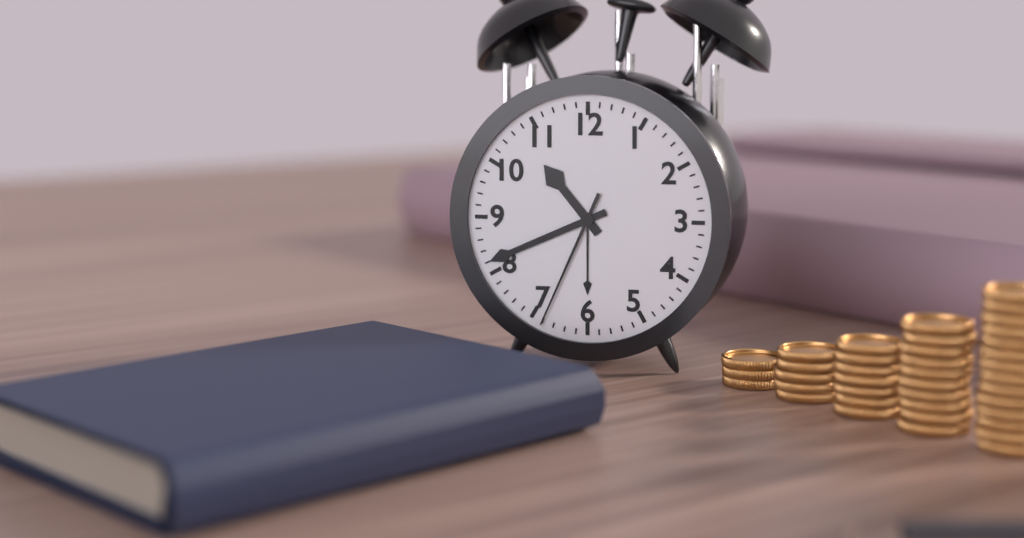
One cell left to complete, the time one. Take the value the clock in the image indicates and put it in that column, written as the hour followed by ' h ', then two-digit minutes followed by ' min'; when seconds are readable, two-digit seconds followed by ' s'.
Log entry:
10 h 41 min 34 s
